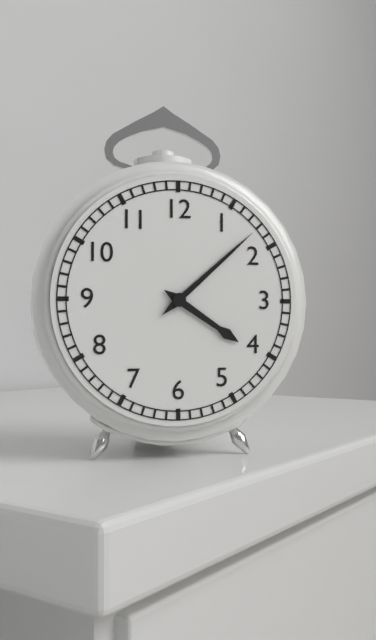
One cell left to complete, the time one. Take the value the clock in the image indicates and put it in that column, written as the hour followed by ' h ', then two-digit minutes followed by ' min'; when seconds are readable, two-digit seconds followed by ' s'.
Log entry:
4 h 08 min
